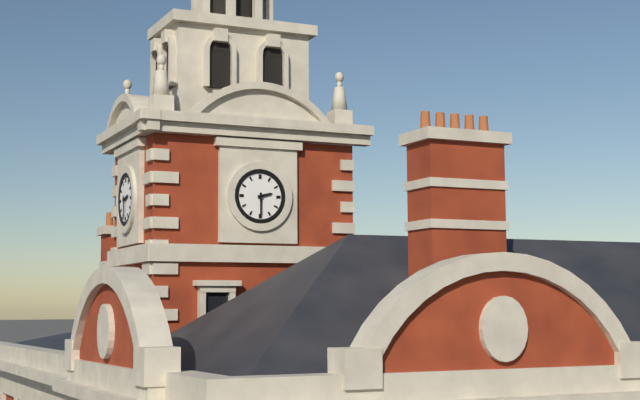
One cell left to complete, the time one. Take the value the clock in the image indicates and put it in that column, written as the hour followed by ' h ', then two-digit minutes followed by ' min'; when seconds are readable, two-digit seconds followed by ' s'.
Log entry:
2 h 30 min
